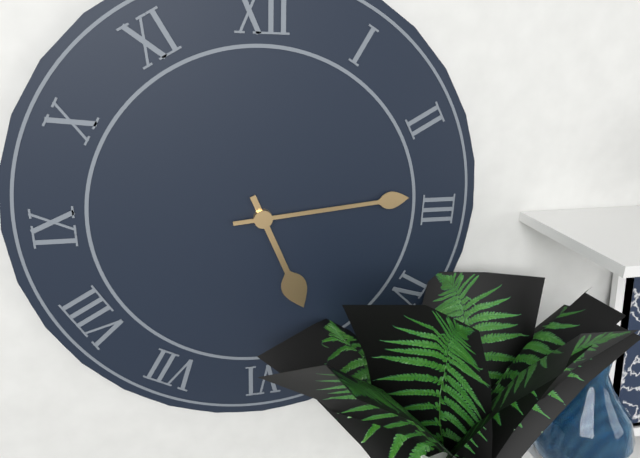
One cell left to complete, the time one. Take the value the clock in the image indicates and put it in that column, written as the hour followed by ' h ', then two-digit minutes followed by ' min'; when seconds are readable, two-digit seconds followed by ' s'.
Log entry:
5 h 14 min
